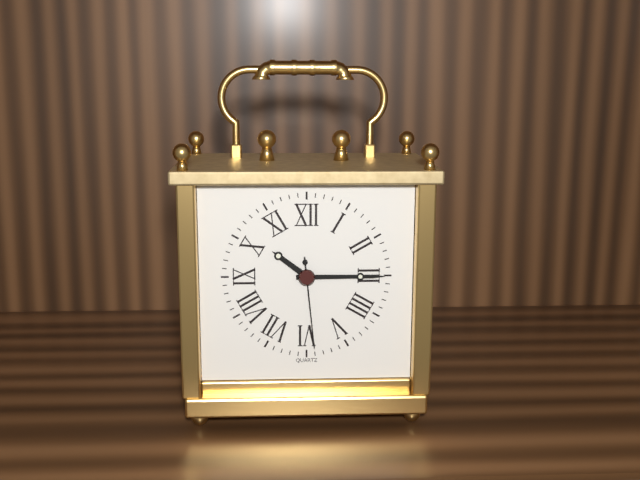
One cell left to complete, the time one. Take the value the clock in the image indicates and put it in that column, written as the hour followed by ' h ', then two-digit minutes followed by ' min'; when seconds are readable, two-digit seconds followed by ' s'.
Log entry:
10 h 15 min 29 s
